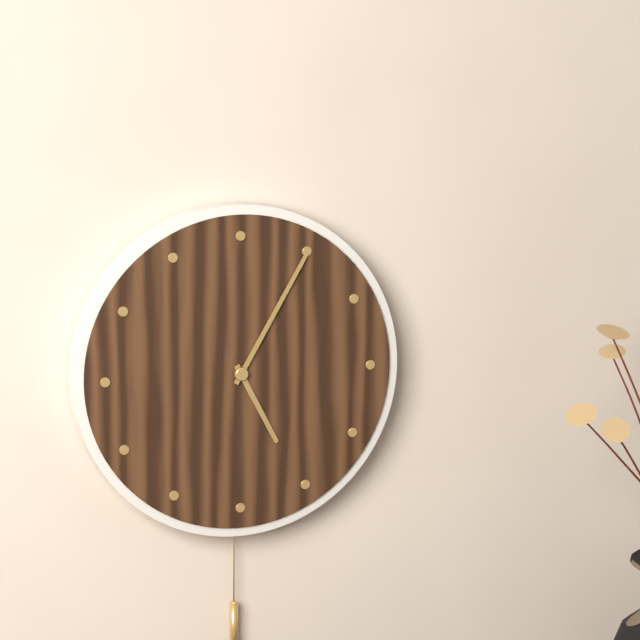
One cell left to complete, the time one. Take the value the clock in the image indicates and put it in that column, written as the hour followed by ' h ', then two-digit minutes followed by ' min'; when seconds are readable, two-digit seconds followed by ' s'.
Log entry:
5 h 05 min
